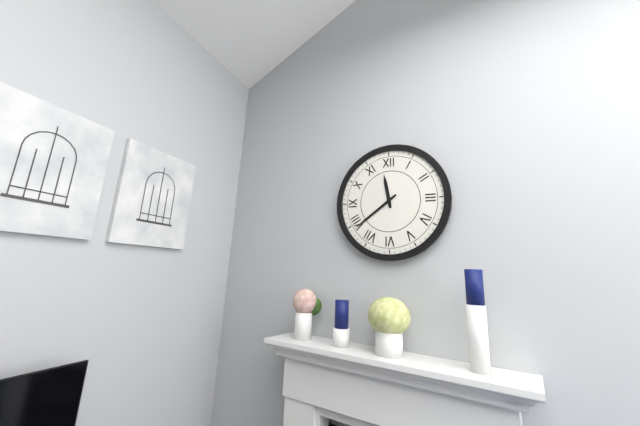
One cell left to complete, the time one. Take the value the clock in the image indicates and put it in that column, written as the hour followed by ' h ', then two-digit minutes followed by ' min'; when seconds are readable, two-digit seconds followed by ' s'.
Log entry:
11 h 39 min
